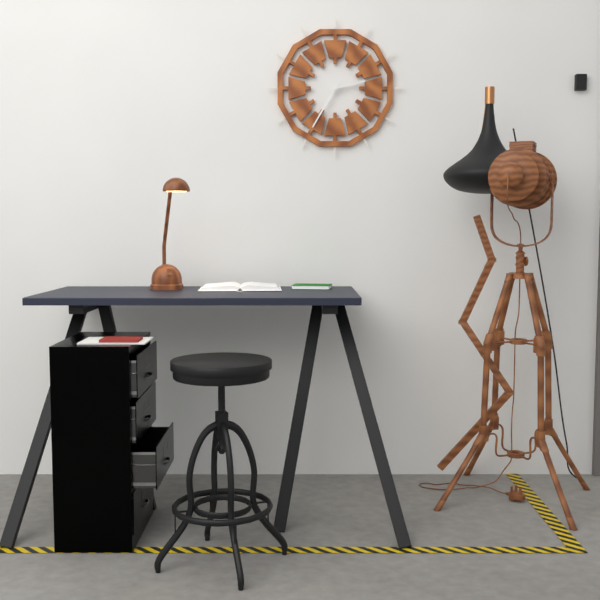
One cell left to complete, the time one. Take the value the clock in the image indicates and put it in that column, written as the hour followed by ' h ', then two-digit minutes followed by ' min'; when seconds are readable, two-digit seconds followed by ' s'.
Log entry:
2 h 35 min
